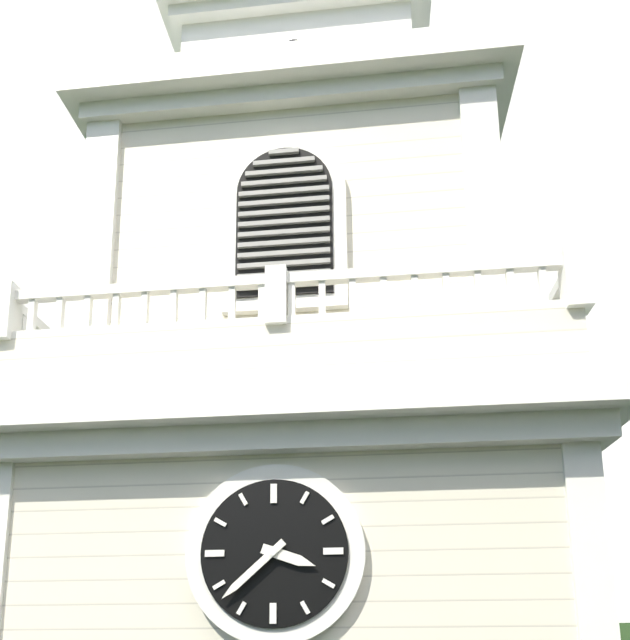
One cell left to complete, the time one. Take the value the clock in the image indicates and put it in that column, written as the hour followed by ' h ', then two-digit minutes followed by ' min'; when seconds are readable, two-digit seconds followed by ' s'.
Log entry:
3 h 38 min
